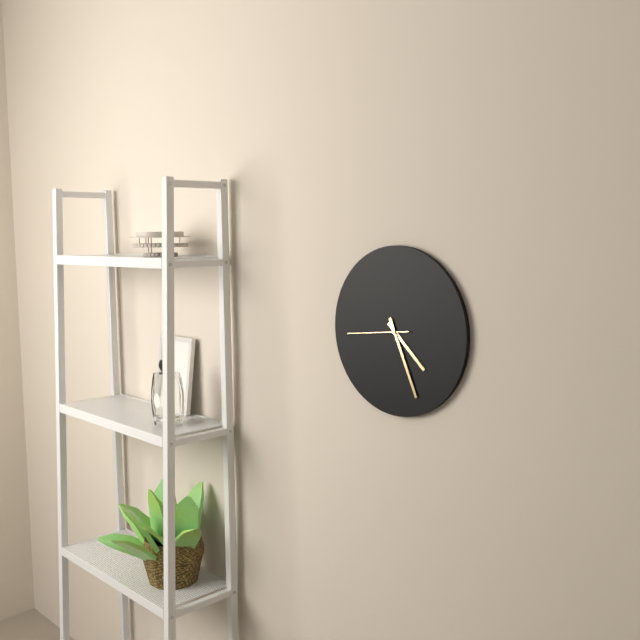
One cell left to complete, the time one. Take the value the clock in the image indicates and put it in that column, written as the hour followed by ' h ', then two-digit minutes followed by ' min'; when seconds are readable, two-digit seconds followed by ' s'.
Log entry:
4 h 26 min 44 s
